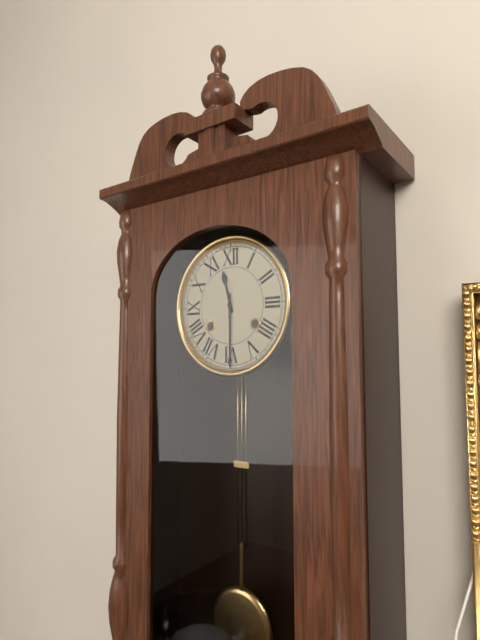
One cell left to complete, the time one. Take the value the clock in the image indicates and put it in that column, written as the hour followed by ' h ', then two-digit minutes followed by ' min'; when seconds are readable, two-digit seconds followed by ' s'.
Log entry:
11 h 30 min
